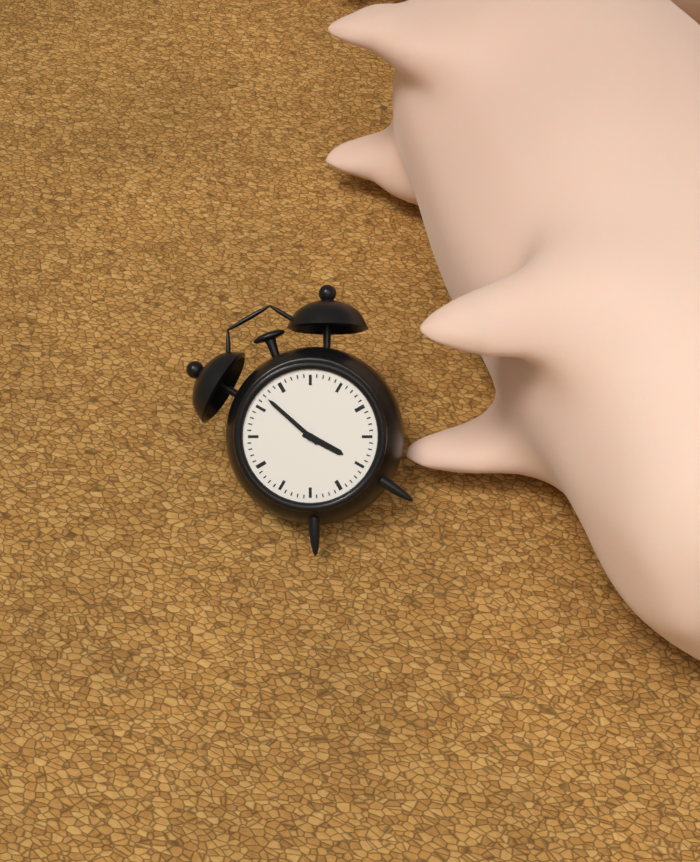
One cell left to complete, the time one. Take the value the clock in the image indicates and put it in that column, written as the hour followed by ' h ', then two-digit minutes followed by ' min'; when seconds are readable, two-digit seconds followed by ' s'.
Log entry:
4 h 57 min
